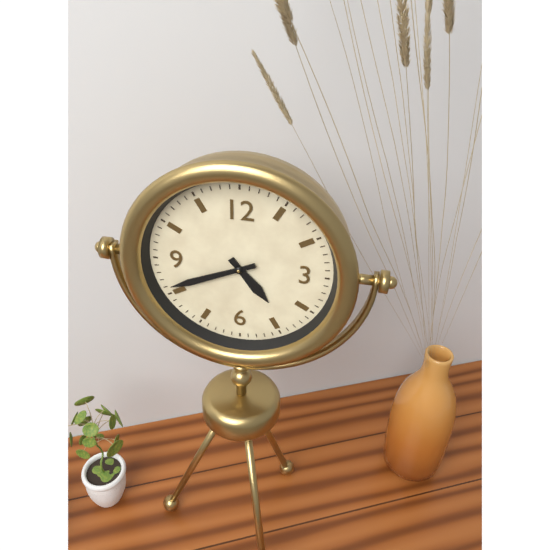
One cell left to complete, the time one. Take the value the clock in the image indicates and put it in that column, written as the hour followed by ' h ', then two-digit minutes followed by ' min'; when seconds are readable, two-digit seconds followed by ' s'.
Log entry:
4 h 41 min
